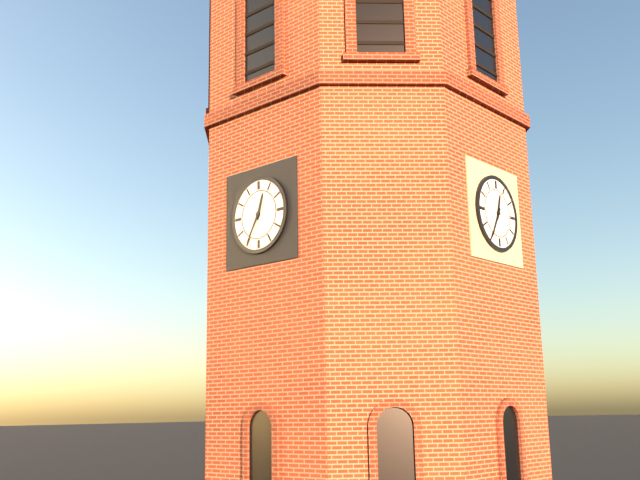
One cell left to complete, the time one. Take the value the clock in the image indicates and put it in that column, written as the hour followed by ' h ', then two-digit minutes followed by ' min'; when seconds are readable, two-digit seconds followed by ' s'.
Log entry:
12 h 35 min
